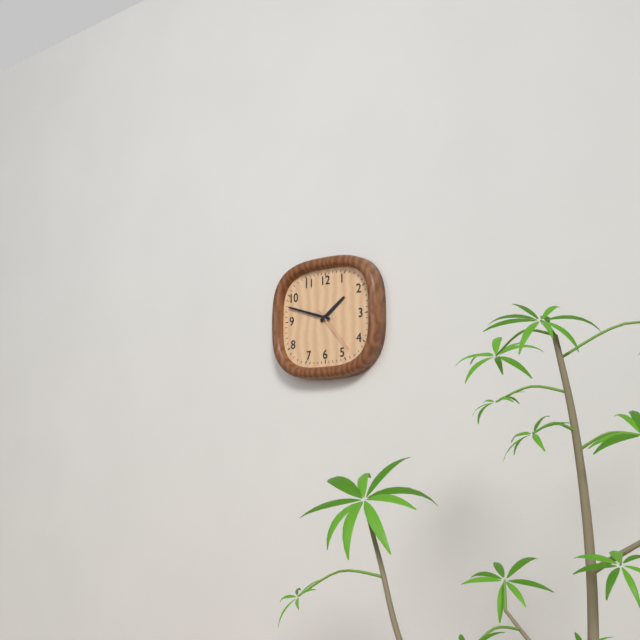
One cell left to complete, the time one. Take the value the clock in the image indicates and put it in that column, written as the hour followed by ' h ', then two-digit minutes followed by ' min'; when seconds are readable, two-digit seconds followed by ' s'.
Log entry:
1 h 48 min 23 s
